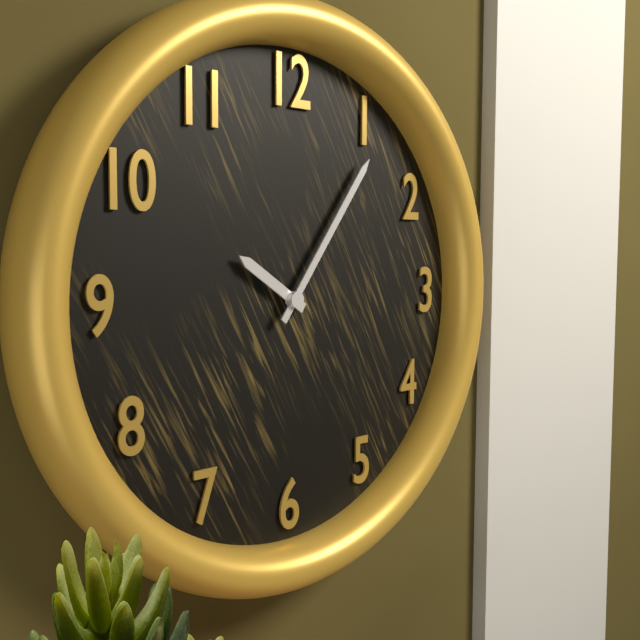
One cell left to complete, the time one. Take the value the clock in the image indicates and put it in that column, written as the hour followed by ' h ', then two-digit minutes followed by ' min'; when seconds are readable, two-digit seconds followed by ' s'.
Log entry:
10 h 06 min
